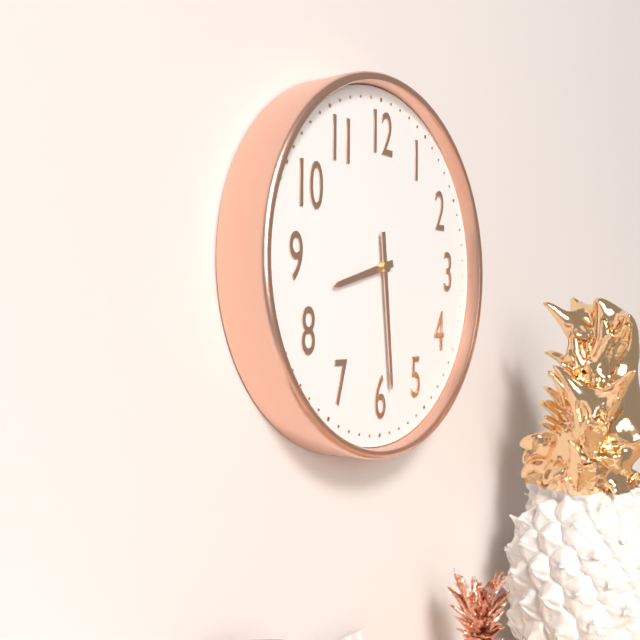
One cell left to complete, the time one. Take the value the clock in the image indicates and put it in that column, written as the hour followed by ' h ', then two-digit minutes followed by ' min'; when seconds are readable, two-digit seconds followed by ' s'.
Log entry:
8 h 29 min
